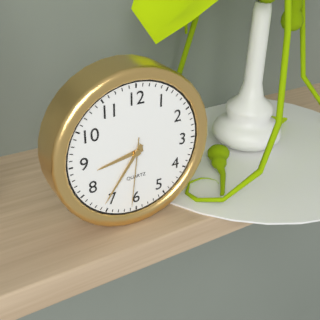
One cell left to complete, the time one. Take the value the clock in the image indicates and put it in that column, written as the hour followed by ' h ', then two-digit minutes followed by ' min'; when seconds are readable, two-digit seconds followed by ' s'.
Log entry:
8 h 36 min 31 s
